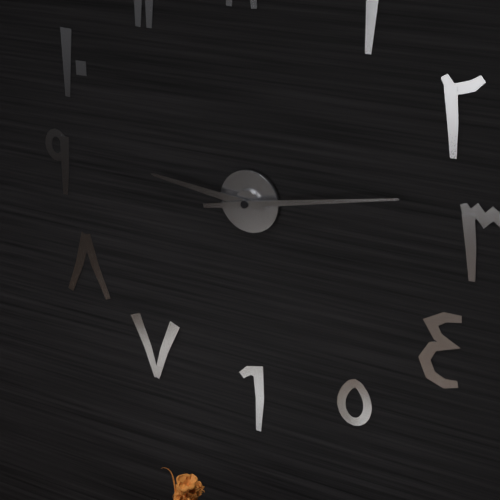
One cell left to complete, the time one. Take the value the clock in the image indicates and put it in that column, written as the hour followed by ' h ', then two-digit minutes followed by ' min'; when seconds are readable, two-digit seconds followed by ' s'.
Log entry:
9 h 13 min
